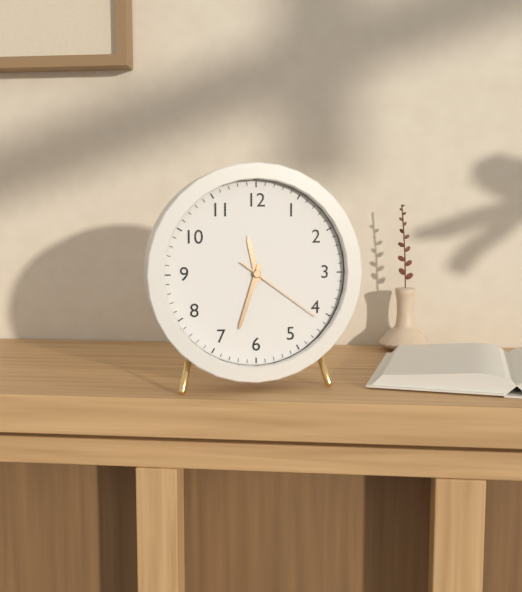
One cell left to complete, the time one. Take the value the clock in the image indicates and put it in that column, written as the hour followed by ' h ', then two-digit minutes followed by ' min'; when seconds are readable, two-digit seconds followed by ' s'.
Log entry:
11 h 33 min 21 s
